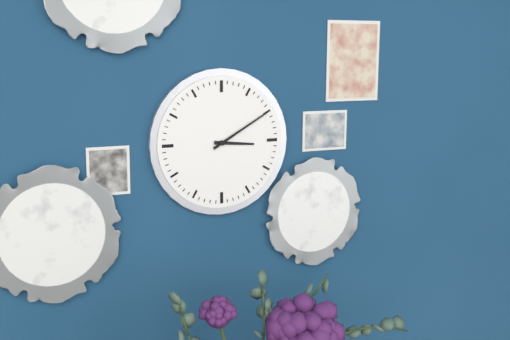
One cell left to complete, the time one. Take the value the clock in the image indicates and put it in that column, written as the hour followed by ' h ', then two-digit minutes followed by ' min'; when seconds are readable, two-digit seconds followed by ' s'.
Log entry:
3 h 10 min
